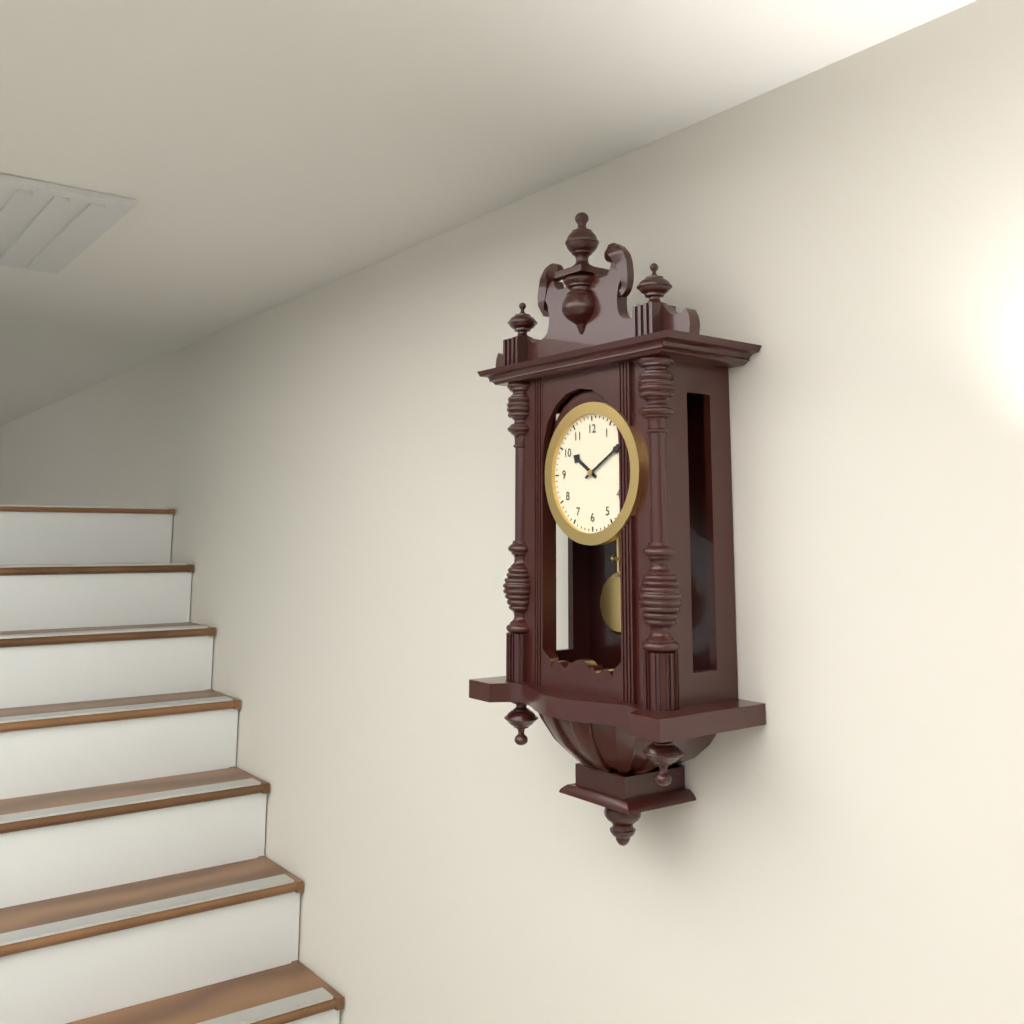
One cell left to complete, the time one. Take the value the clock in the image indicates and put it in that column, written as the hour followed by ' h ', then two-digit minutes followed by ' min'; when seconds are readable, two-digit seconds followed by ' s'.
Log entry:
10 h 10 min
